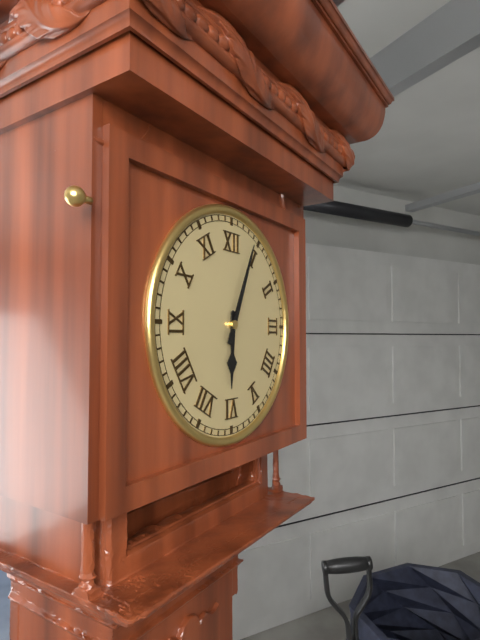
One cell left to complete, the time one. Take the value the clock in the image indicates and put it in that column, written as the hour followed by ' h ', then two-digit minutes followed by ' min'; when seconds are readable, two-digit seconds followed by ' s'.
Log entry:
6 h 04 min
